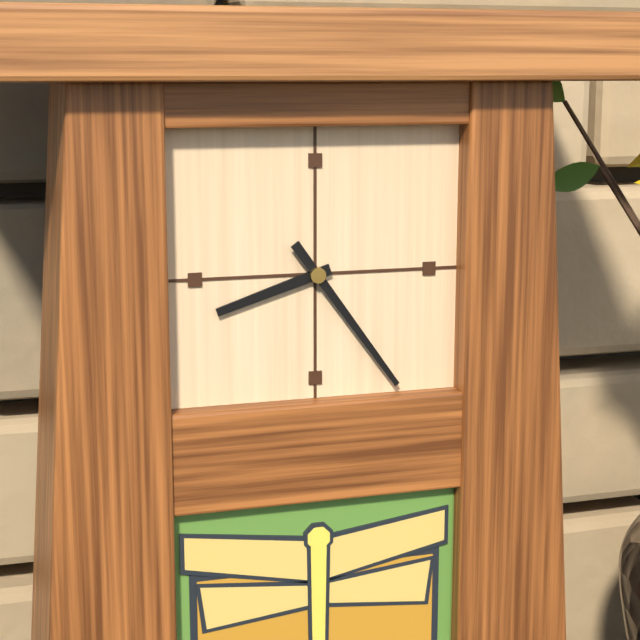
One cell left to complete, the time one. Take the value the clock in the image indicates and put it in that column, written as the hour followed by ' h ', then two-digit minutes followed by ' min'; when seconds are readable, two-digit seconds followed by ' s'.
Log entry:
8 h 24 min
